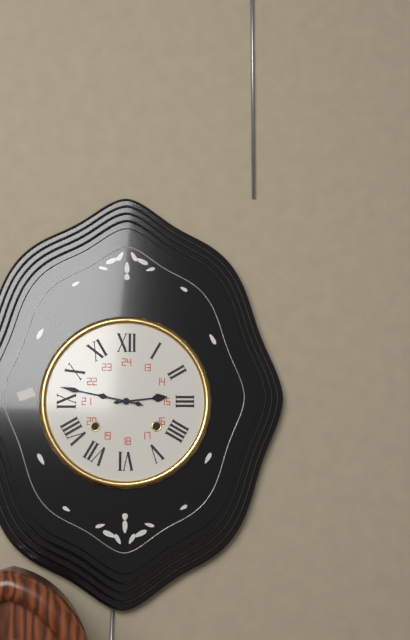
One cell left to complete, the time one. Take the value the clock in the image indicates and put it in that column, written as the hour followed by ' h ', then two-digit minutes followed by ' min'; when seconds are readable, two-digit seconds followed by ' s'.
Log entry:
2 h 47 min
